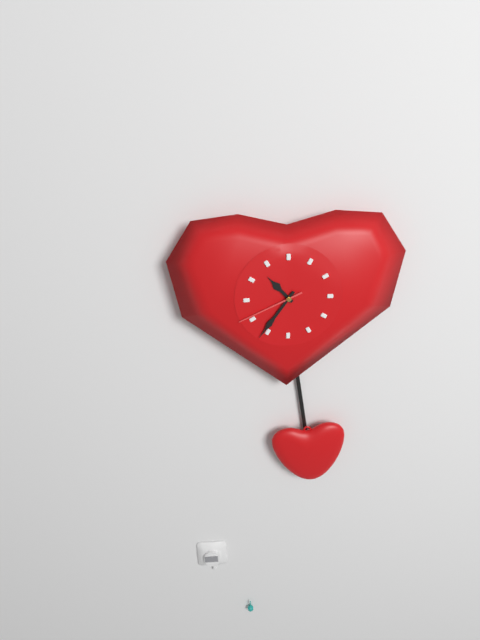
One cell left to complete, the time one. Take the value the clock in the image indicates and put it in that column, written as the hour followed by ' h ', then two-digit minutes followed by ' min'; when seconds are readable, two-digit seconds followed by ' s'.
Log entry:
10 h 36 min 41 s
